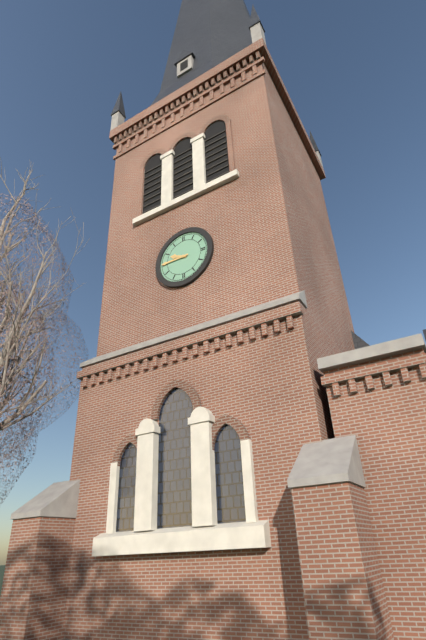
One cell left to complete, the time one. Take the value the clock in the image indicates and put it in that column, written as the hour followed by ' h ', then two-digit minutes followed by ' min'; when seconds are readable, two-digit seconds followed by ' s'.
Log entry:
9 h 45 min
